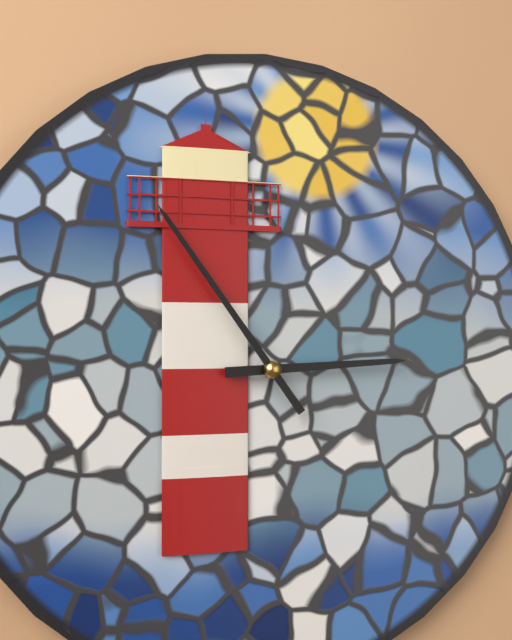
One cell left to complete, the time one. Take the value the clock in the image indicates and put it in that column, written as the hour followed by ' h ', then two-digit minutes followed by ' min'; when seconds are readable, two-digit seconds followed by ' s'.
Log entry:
2 h 54 min
